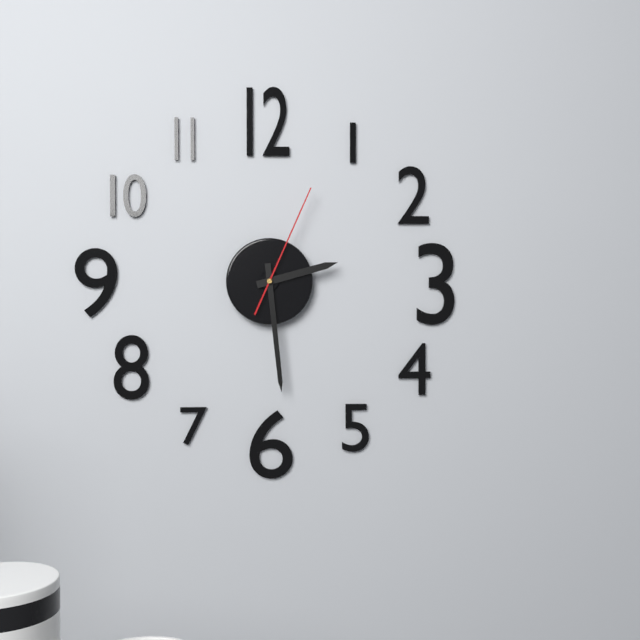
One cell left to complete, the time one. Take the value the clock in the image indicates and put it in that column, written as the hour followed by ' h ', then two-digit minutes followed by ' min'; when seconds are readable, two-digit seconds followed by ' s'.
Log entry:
2 h 29 min 04 s
